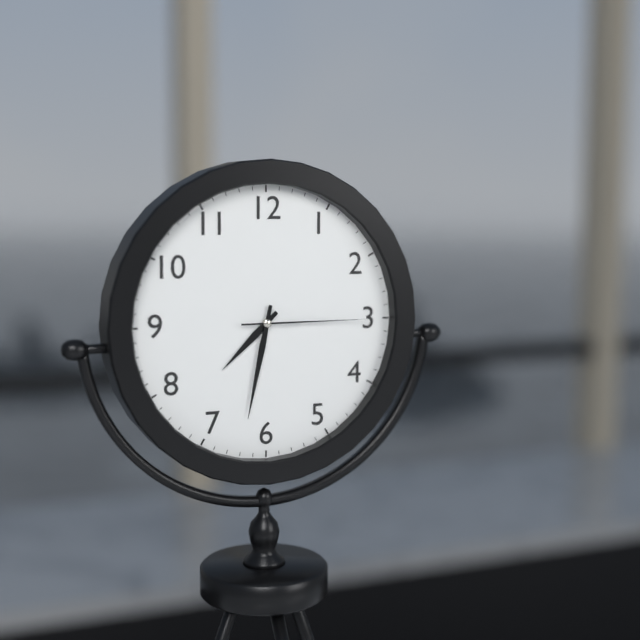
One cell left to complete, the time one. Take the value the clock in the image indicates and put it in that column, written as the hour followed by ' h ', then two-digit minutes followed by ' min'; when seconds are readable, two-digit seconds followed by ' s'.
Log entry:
7 h 32 min 15 s
